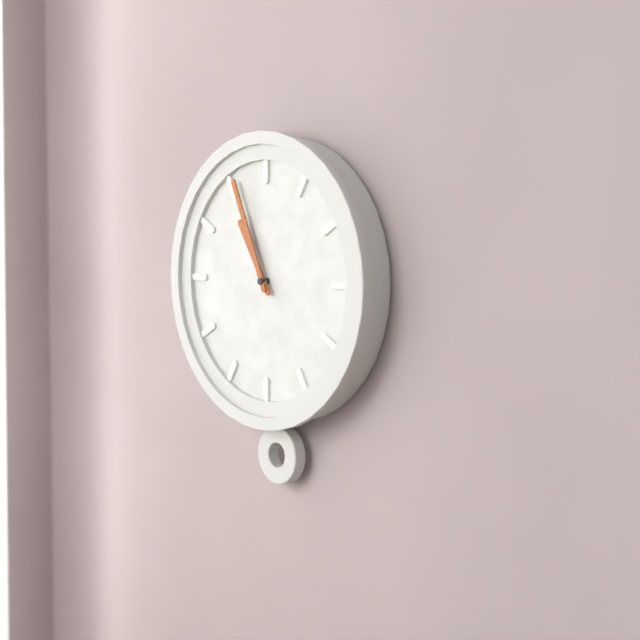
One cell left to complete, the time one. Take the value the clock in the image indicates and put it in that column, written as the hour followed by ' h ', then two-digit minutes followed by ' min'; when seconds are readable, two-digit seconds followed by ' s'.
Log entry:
10 h 56 min
